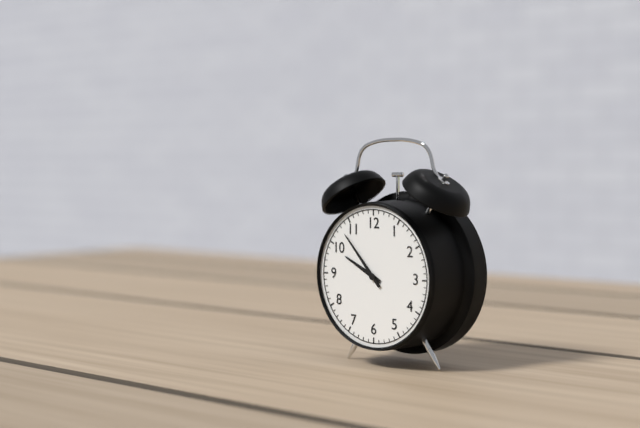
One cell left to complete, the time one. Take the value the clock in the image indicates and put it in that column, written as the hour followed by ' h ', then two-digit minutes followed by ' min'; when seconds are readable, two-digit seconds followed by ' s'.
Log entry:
9 h 53 min
